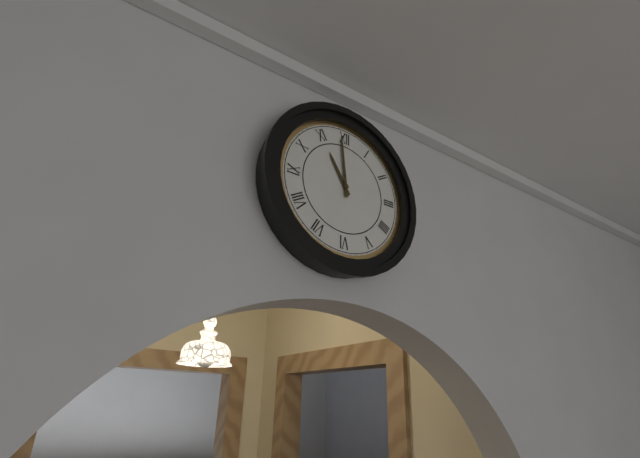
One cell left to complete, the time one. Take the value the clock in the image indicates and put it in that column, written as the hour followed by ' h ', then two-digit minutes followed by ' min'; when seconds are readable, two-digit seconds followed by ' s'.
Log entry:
10 h 59 min
